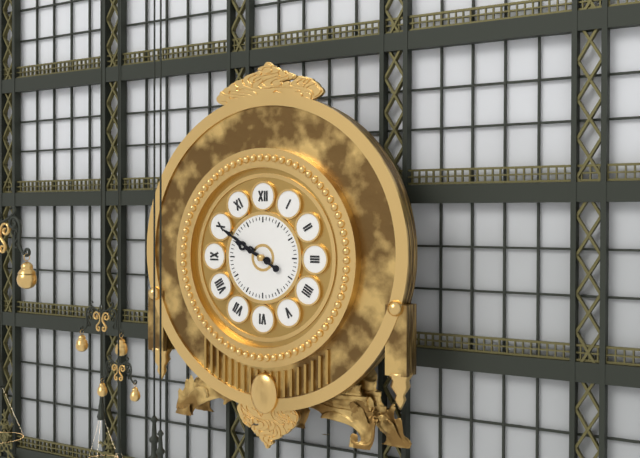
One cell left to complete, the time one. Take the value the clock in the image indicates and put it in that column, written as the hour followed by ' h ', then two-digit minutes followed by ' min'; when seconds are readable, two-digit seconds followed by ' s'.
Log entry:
9 h 50 min
